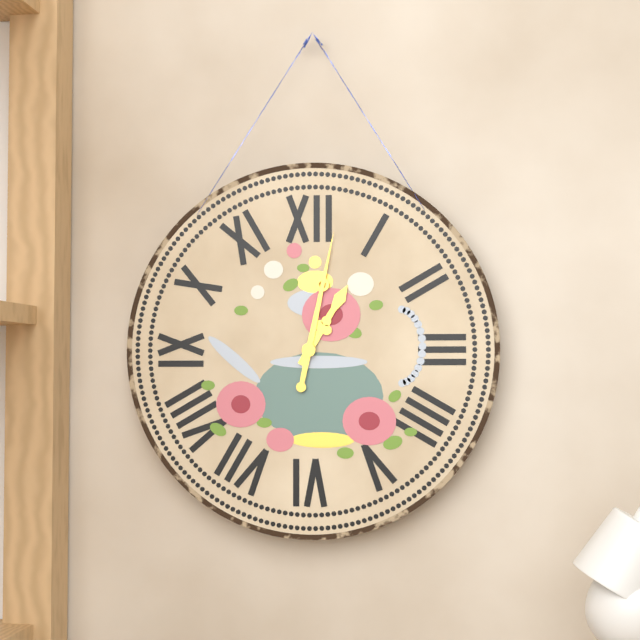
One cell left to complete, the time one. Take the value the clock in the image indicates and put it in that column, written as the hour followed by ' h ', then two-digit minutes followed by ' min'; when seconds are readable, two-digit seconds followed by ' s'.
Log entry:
1 h 02 min
